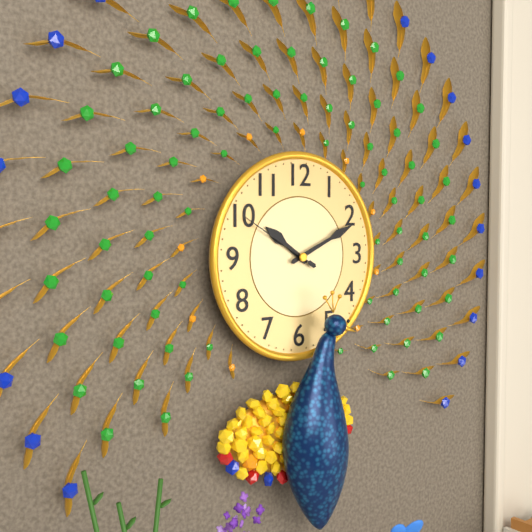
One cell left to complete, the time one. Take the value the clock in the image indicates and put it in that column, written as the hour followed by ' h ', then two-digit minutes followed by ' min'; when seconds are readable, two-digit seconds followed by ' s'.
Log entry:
10 h 11 min 50 s
